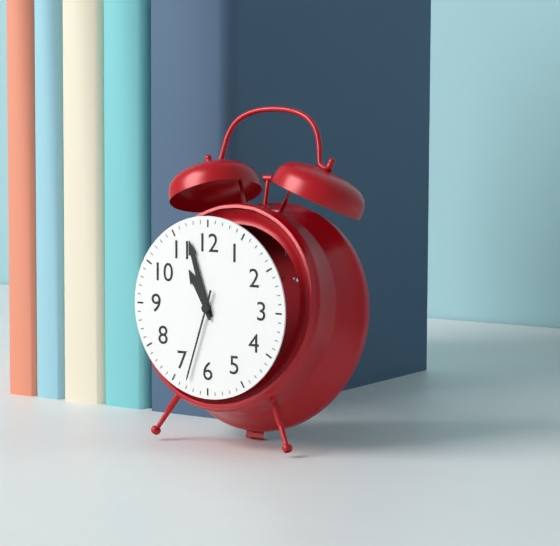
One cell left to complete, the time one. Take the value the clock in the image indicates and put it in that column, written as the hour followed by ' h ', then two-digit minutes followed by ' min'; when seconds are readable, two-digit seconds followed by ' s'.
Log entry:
10 h 57 min 33 s
